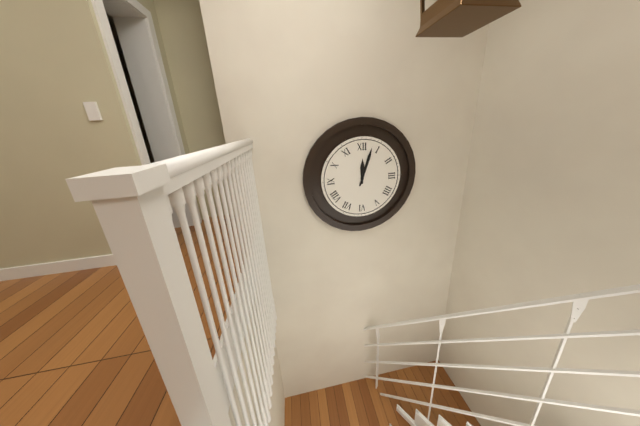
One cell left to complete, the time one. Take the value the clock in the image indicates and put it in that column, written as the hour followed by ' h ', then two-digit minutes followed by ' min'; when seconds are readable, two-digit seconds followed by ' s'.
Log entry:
12 h 03 min
